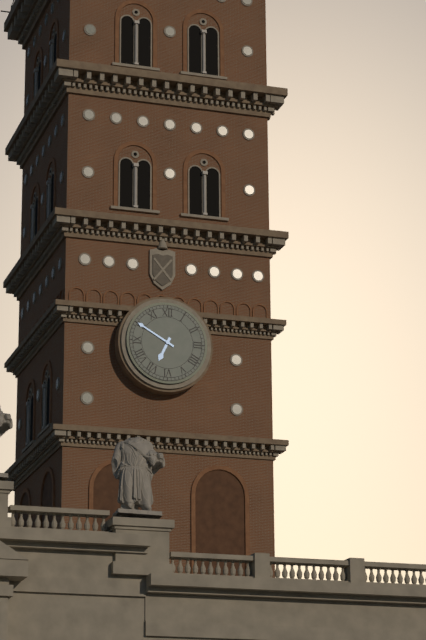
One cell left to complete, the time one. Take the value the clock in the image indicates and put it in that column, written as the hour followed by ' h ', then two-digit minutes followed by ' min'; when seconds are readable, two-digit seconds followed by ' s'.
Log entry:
6 h 50 min
